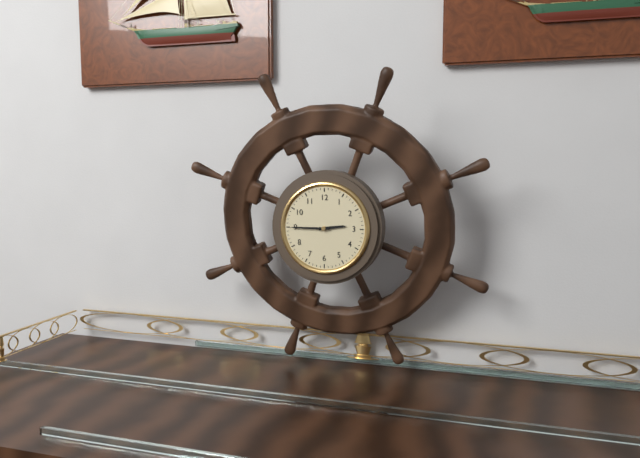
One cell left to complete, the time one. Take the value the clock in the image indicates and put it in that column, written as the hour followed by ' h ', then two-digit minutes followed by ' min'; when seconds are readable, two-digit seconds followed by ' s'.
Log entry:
2 h 45 min
